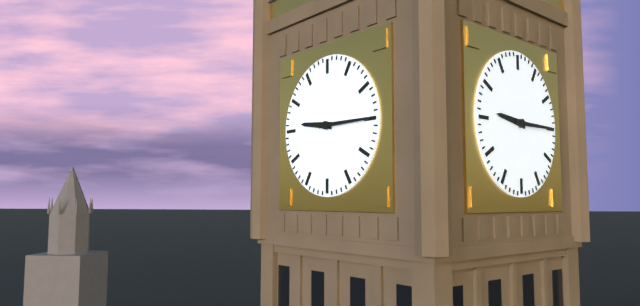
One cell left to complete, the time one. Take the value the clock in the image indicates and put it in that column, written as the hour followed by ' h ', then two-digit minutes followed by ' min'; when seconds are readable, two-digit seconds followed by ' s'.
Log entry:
9 h 15 min
